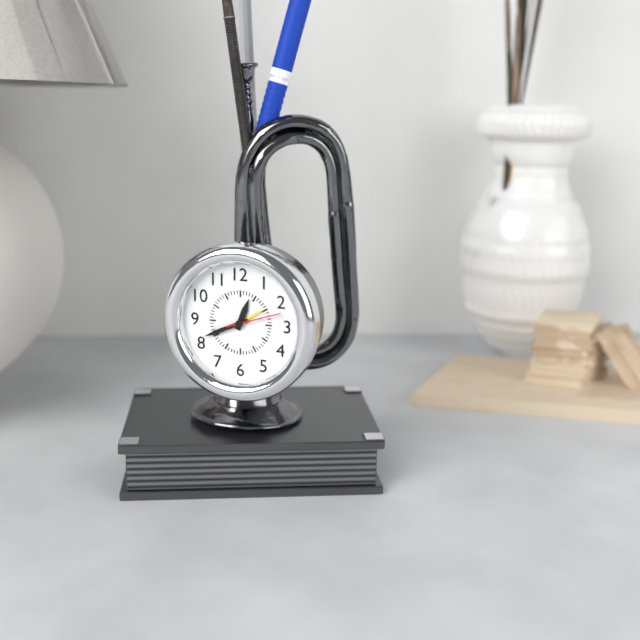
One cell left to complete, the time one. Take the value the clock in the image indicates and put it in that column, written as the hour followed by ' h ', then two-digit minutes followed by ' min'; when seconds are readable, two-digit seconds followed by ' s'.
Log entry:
12 h 41 min 12 s
